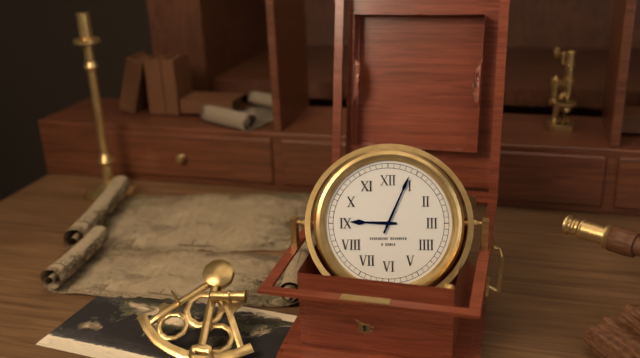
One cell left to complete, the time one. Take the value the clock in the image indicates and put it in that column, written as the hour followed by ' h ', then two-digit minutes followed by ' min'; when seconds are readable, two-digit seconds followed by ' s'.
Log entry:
9 h 04 min
